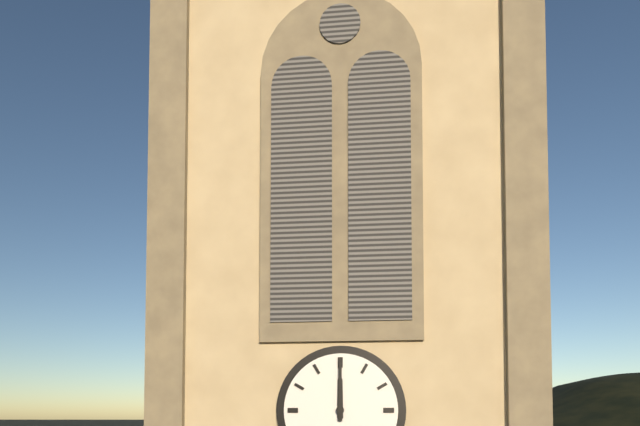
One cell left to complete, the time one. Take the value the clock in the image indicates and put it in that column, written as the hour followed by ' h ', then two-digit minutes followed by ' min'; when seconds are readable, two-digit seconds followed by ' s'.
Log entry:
12 h 00 min
